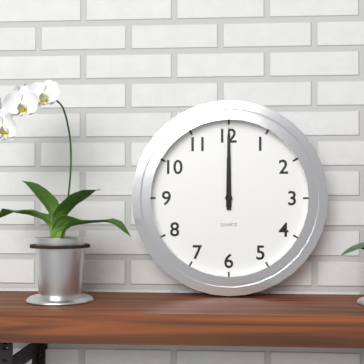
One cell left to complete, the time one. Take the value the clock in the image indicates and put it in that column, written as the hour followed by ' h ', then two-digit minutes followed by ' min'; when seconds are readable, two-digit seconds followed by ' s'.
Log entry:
12 h 00 min
